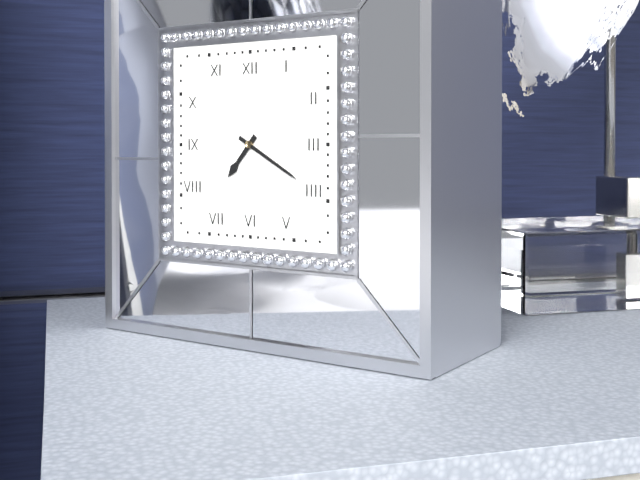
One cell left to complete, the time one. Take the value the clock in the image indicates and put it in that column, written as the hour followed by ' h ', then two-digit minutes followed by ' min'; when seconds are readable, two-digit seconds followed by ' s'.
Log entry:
7 h 20 min
